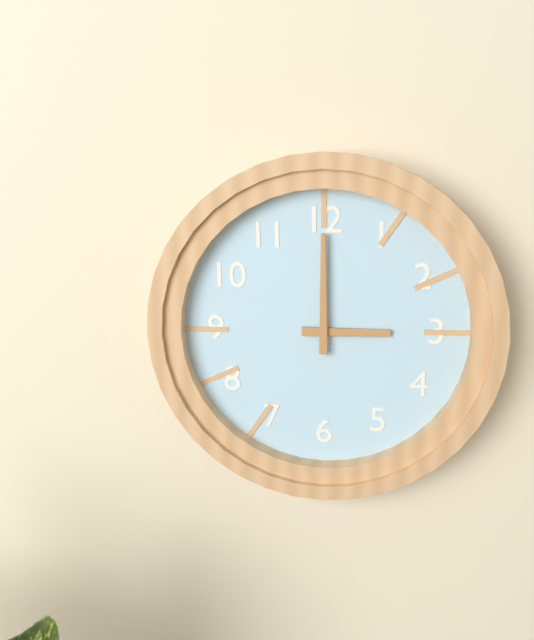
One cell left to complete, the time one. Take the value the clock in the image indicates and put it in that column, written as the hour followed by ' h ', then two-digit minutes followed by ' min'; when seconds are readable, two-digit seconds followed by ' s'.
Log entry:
3 h 00 min
